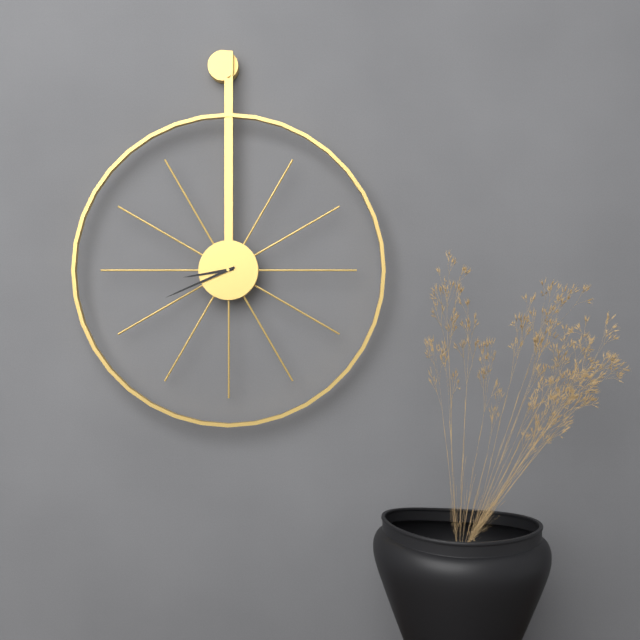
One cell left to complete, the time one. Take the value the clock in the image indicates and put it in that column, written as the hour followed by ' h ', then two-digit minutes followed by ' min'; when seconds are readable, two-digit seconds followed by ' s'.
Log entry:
8 h 41 min
